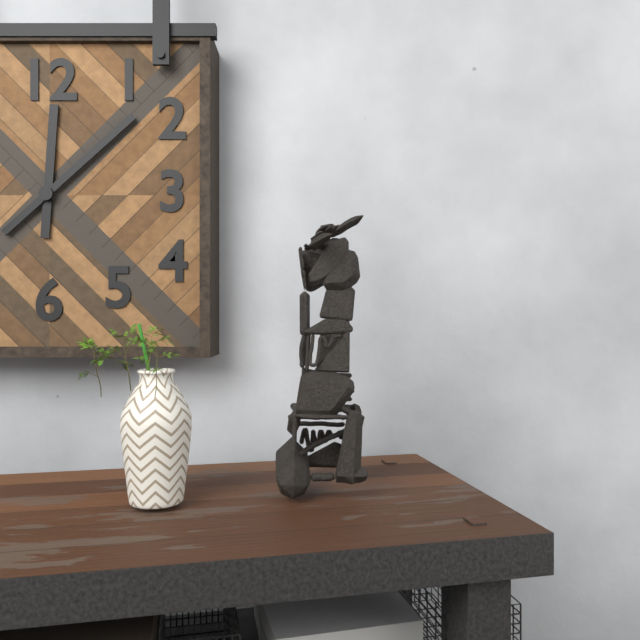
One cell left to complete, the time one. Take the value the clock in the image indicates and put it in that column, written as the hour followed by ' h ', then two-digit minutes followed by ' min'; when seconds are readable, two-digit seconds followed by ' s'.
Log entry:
12 h 08 min
